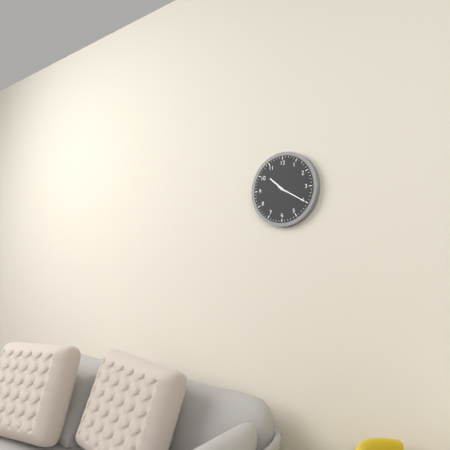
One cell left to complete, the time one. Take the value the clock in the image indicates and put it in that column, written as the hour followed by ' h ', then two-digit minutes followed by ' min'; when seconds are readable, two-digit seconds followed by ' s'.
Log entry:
10 h 20 min
